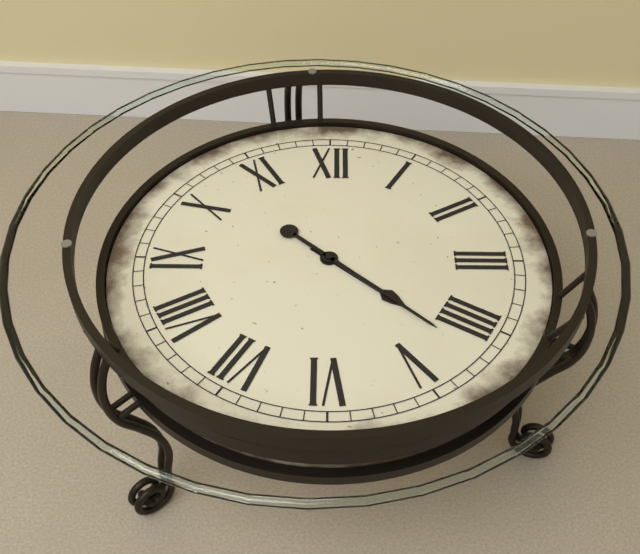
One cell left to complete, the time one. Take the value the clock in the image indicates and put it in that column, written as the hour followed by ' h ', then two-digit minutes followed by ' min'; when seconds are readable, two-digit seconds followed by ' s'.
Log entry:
4 h 22 min
